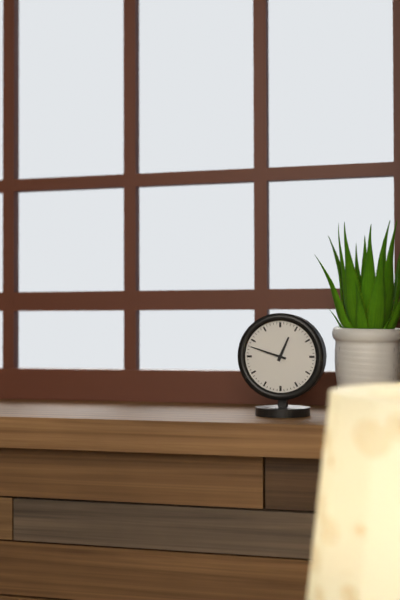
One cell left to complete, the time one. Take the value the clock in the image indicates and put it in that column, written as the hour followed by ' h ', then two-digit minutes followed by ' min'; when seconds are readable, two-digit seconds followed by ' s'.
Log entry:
12 h 48 min
